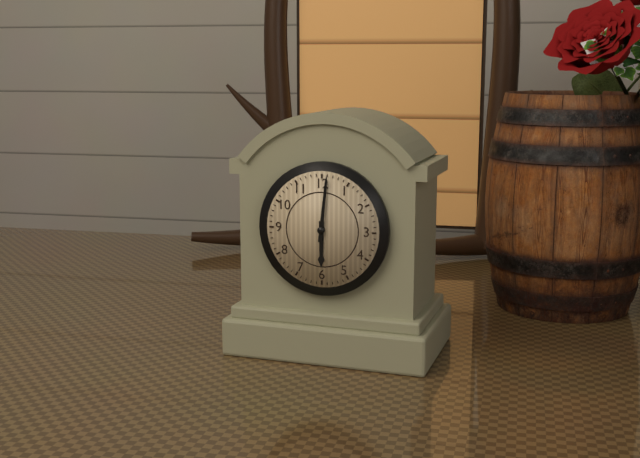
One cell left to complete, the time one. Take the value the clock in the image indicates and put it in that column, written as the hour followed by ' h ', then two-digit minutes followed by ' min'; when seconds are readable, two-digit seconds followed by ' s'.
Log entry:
6 h 01 min
